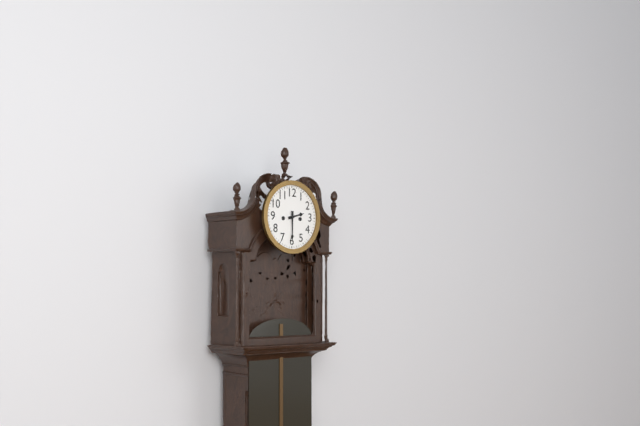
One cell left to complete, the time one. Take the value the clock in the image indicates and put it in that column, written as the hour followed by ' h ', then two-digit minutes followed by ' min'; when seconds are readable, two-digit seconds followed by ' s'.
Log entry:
2 h 30 min
